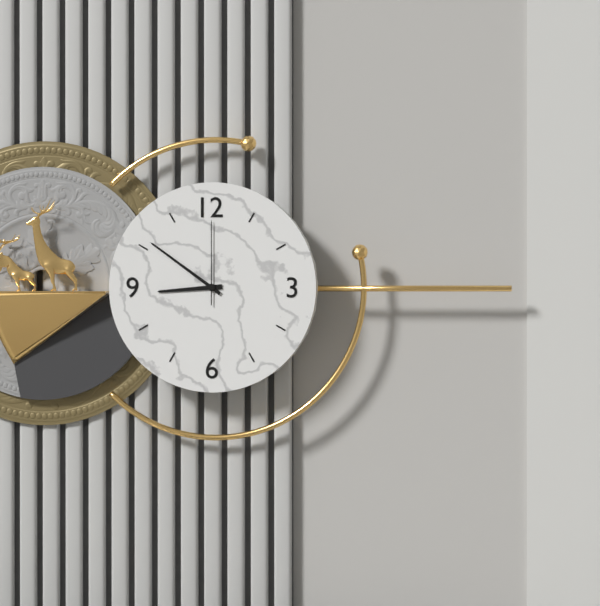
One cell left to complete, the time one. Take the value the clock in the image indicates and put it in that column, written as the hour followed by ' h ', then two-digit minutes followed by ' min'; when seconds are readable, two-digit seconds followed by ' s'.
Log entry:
8 h 51 min 00 s
